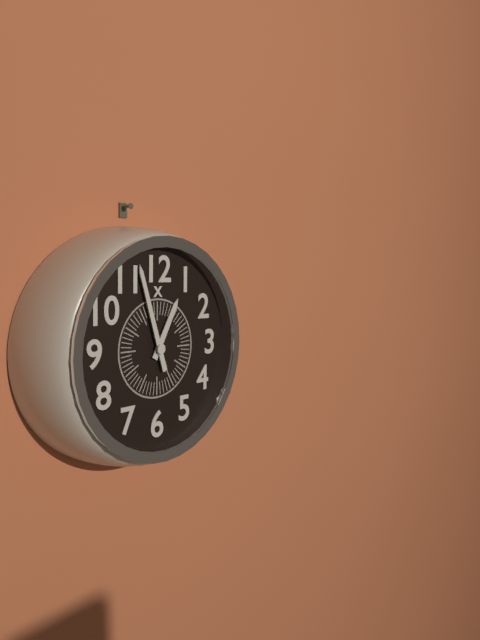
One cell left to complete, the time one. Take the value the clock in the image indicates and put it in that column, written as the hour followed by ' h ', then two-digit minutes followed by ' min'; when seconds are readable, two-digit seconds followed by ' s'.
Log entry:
12 h 57 min
